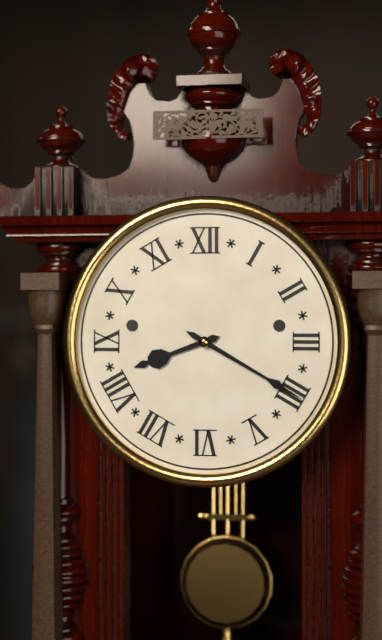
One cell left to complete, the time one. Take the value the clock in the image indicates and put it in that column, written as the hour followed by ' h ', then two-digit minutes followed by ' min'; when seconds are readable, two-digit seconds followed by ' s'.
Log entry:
8 h 20 min
